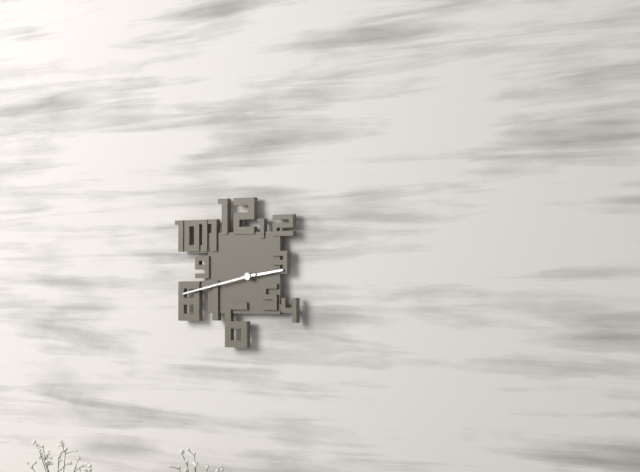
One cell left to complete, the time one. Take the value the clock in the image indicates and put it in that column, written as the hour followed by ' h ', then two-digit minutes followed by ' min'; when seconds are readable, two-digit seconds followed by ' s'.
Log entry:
2 h 43 min
